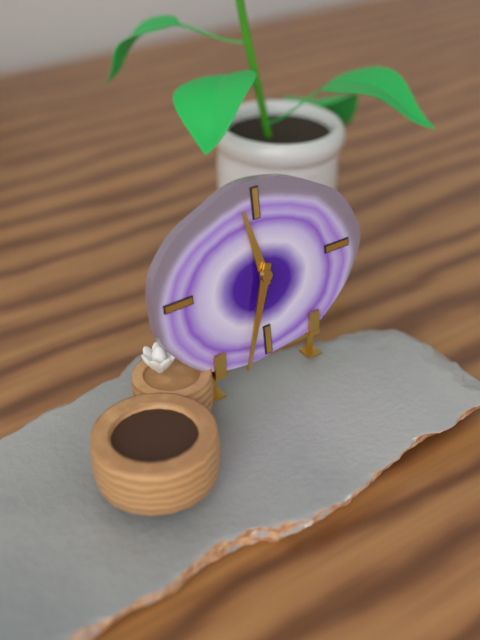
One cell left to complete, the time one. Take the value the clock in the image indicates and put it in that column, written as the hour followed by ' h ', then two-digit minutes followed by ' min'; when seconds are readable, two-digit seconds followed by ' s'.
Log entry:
11 h 33 min
